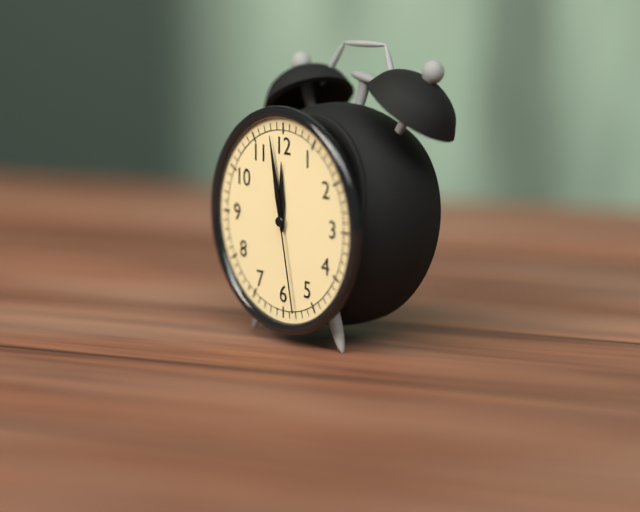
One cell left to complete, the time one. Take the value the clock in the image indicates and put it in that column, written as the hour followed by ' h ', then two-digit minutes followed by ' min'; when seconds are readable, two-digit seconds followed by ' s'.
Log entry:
11 h 58 min 28 s
